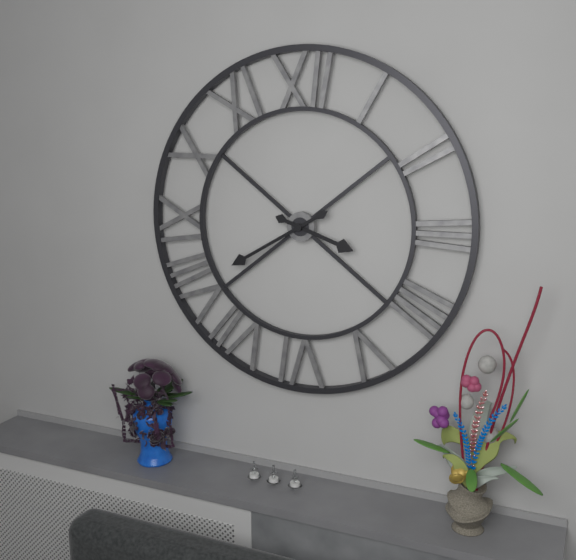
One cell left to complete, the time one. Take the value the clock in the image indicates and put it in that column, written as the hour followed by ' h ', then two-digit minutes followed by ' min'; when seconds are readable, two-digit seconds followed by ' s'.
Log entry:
3 h 40 min
